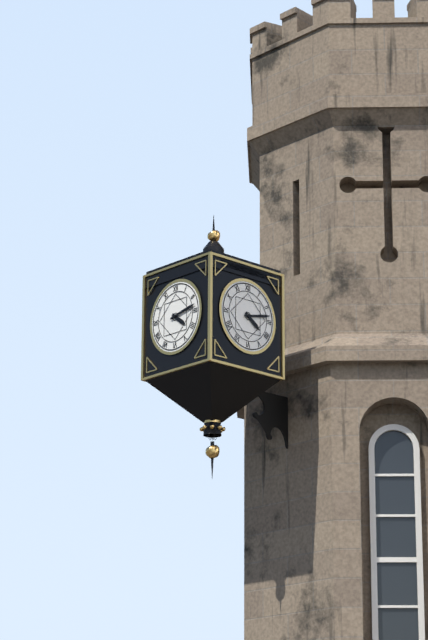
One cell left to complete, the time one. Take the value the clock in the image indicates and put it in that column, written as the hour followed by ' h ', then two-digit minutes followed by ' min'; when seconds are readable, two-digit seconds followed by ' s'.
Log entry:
4 h 13 min
